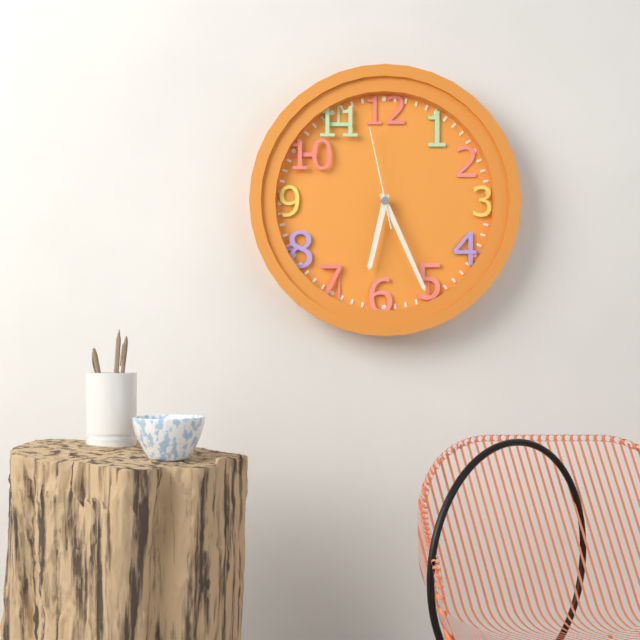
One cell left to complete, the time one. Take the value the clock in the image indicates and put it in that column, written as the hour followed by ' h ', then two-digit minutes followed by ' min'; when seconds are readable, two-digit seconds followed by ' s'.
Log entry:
6 h 26 min 58 s
